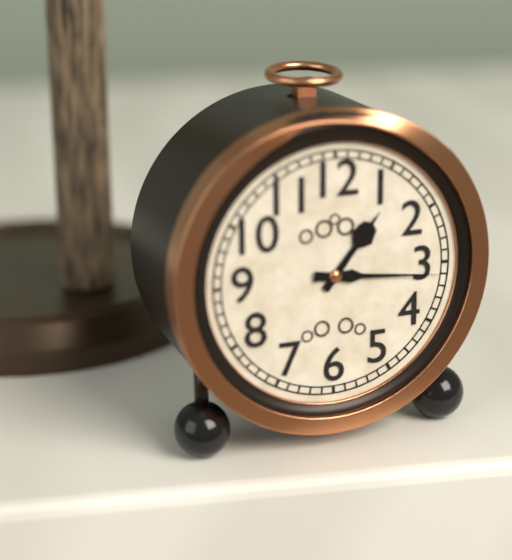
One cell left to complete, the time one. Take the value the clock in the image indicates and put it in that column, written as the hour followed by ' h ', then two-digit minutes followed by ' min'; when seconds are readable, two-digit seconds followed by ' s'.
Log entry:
1 h 16 min
